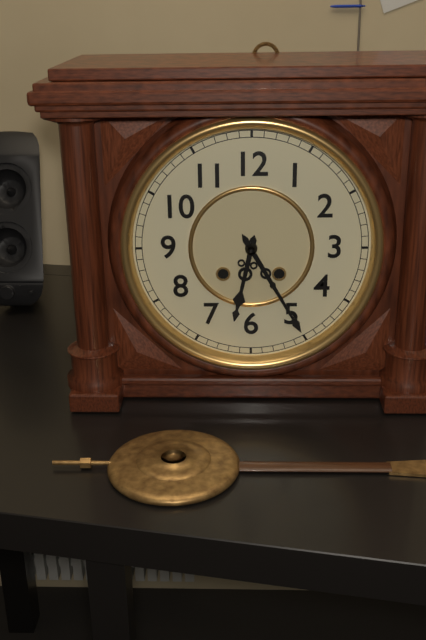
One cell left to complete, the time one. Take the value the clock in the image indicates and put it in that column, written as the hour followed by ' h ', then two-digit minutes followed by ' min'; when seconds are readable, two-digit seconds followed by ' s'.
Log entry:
6 h 25 min
